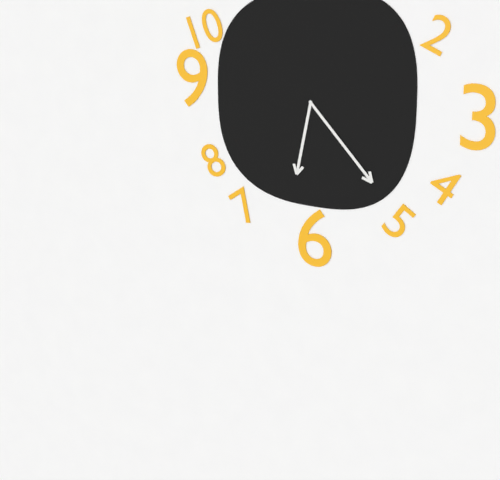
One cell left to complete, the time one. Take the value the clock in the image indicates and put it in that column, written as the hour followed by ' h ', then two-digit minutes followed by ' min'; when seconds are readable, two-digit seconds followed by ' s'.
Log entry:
6 h 23 min
